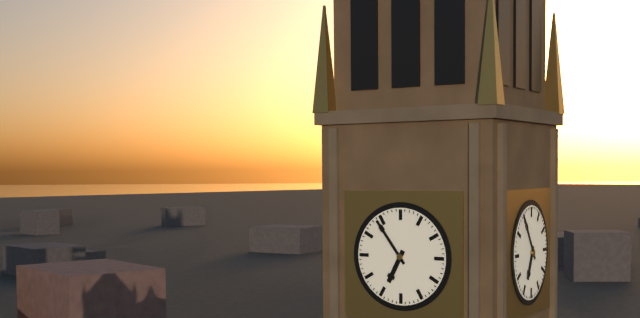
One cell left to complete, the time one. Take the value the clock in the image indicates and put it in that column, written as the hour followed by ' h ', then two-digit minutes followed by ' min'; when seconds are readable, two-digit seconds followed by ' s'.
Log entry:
6 h 54 min
